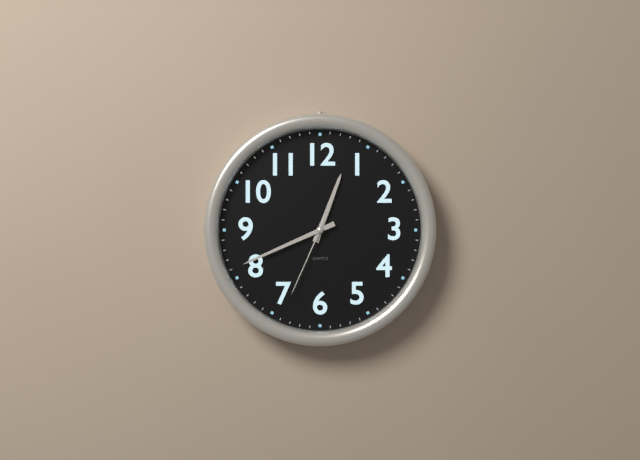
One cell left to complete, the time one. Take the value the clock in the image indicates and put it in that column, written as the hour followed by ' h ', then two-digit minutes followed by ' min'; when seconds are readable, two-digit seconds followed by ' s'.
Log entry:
12 h 41 min 34 s
